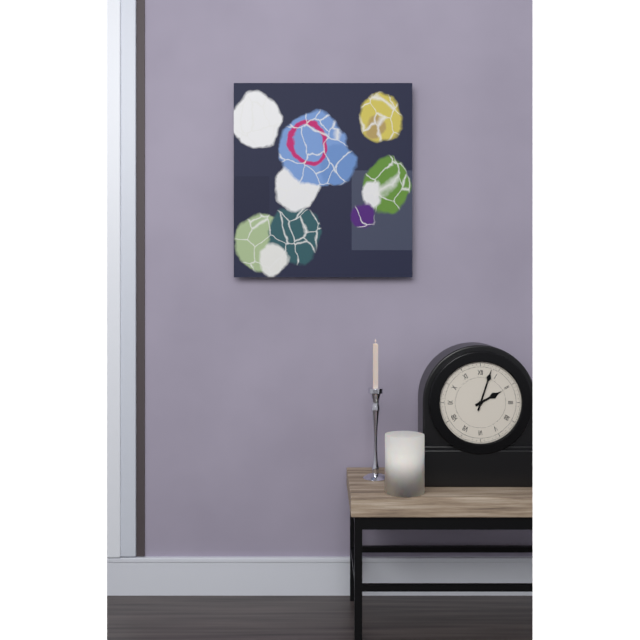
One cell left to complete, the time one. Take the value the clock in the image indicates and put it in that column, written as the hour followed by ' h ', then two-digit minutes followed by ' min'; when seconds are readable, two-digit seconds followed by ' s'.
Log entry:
2 h 03 min
